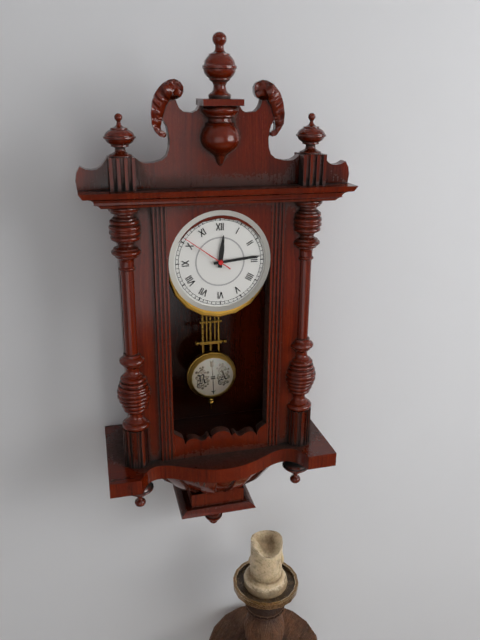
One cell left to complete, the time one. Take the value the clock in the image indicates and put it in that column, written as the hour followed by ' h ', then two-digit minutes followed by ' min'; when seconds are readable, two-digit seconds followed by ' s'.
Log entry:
12 h 14 min 51 s
